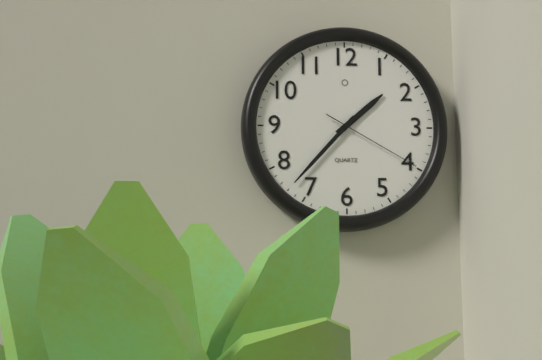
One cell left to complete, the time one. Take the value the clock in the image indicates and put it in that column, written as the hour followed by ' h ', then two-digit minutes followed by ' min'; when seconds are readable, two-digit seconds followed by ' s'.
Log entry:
1 h 37 min 20 s
